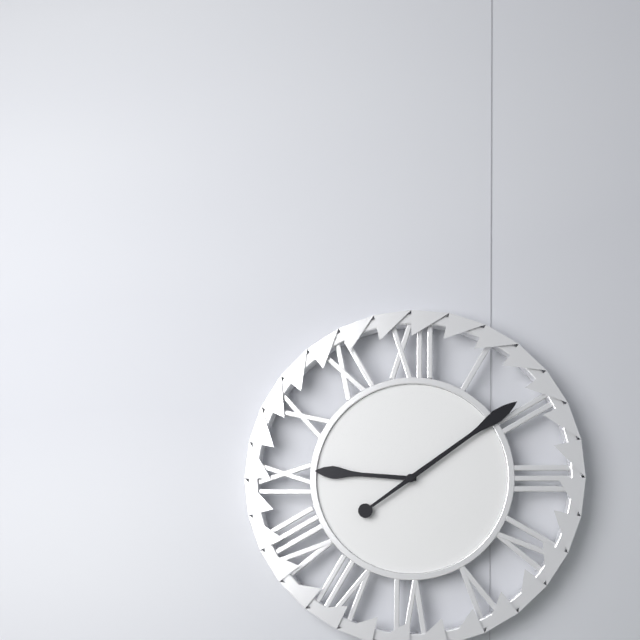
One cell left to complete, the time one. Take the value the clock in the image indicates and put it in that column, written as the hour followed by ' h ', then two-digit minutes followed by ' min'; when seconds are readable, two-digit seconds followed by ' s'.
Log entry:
9 h 09 min
